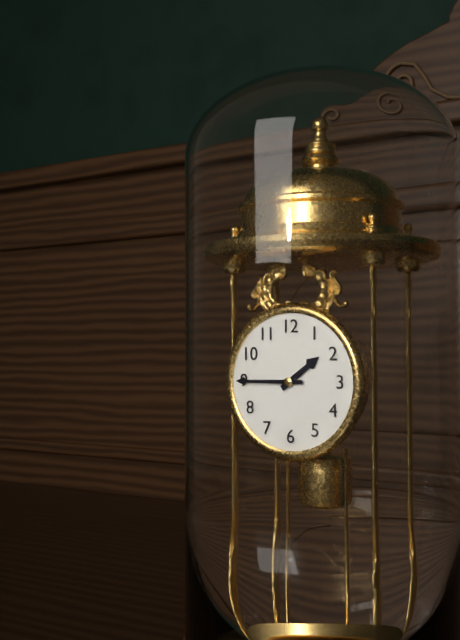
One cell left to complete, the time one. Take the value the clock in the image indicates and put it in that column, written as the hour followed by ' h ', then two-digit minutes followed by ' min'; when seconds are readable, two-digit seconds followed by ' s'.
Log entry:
1 h 45 min
